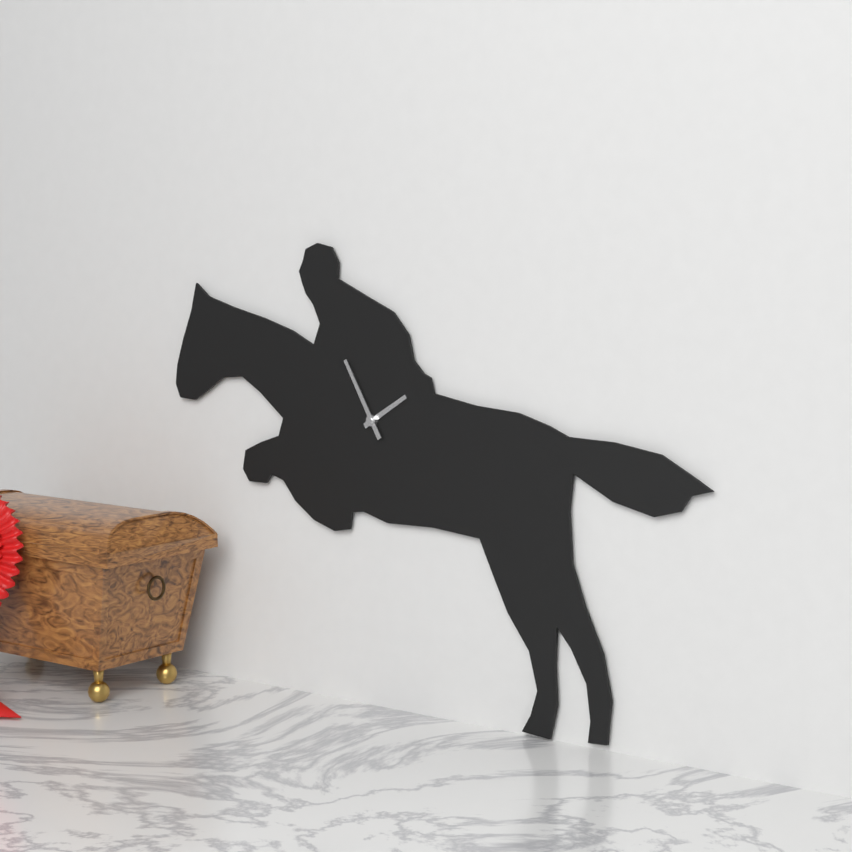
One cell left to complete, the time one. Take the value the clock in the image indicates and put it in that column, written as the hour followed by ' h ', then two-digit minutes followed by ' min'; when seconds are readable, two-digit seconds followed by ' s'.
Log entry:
1 h 55 min
